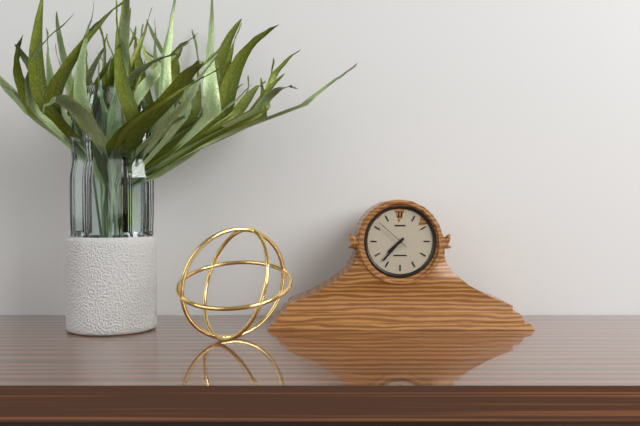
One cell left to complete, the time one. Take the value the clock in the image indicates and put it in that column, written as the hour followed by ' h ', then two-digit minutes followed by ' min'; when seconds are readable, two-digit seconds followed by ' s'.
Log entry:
7 h 37 min
